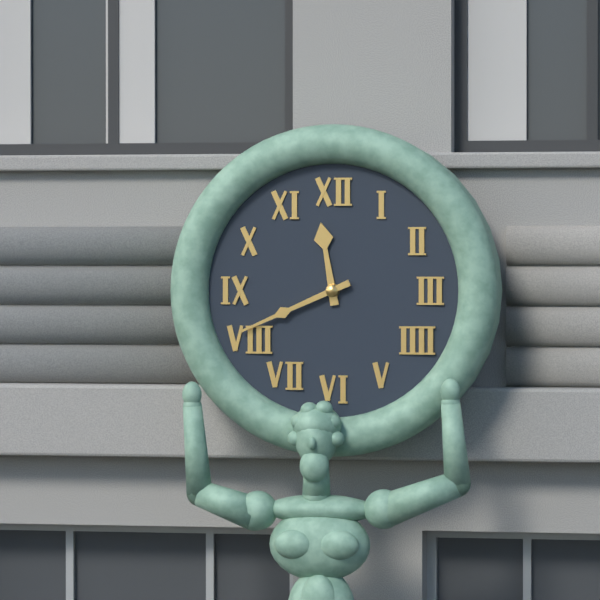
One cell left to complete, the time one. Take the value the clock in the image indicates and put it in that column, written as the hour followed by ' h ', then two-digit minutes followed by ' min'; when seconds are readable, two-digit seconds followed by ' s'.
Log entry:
11 h 41 min
